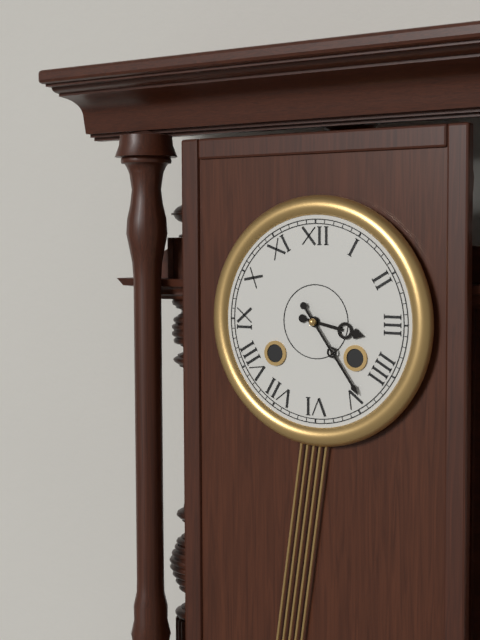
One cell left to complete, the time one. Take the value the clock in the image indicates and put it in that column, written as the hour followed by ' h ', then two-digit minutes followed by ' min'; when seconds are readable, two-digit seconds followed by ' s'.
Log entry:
3 h 24 min
